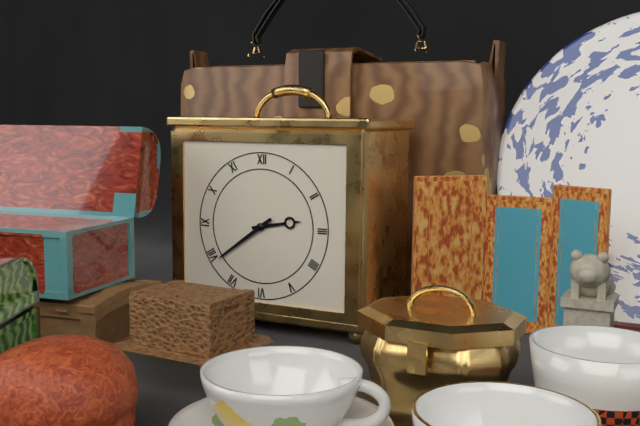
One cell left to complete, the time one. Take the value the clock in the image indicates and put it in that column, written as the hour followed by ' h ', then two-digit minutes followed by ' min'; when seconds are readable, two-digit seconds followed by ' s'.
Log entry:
2 h 39 min
